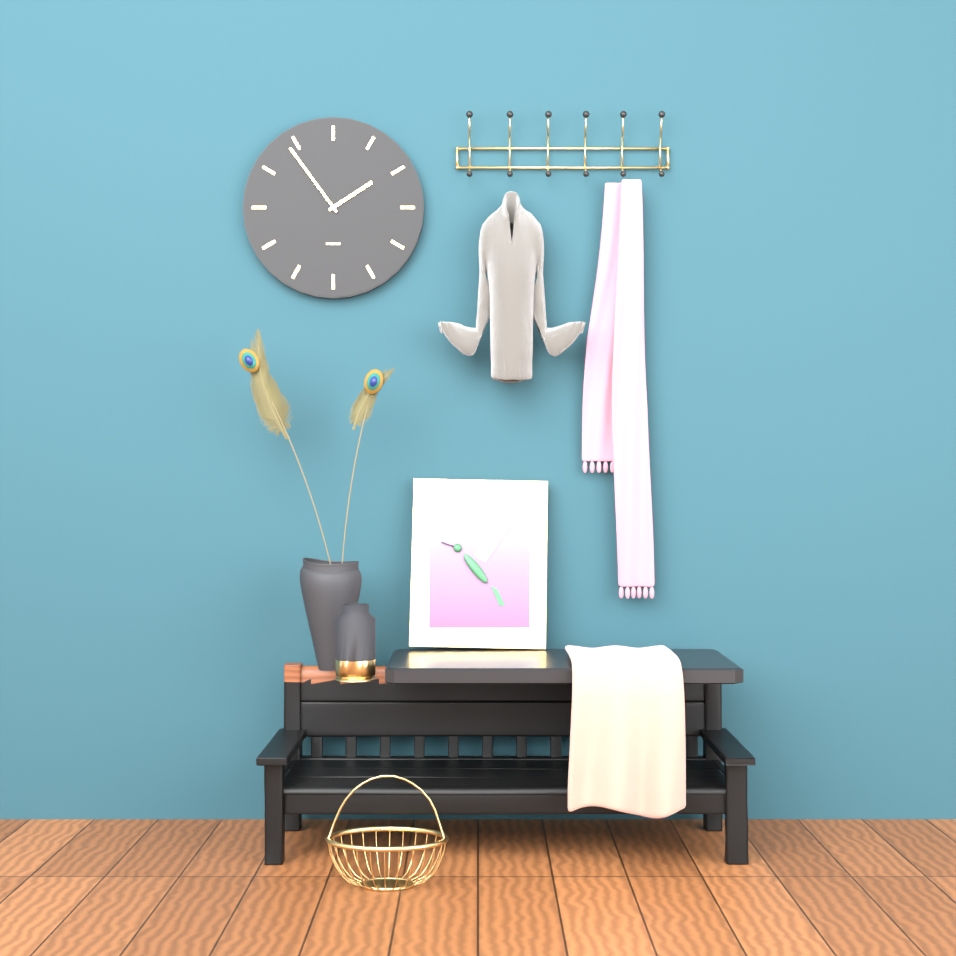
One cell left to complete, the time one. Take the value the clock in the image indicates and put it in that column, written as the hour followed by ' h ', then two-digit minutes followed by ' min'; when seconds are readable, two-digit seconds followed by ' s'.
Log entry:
1 h 54 min
